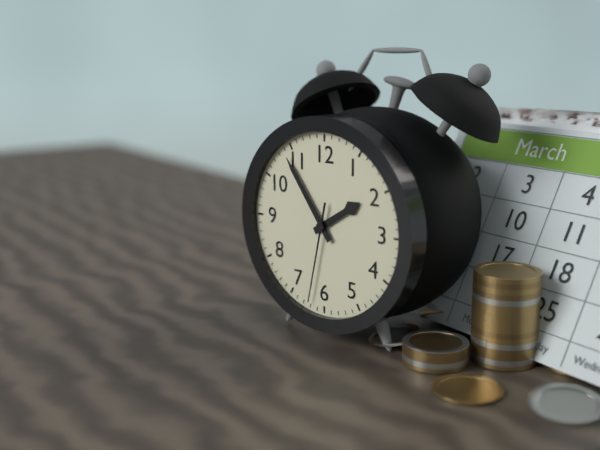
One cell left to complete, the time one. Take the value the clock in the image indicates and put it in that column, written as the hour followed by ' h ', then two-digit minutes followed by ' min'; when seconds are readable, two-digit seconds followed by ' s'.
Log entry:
1 h 54 min 32 s
